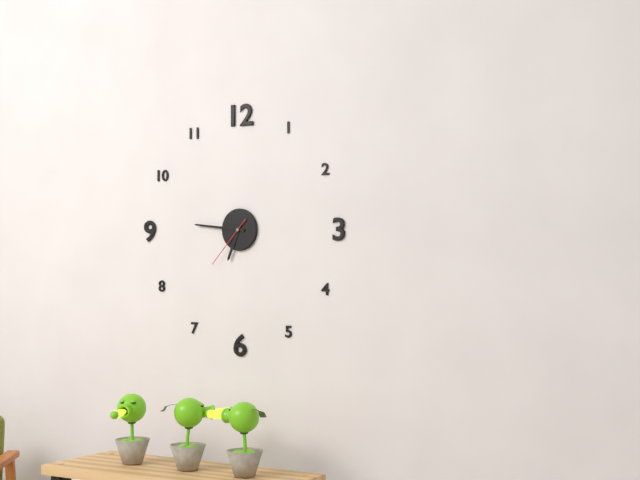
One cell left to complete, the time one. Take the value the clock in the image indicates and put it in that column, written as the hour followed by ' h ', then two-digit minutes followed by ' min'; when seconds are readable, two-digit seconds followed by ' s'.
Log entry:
6 h 46 min 37 s
